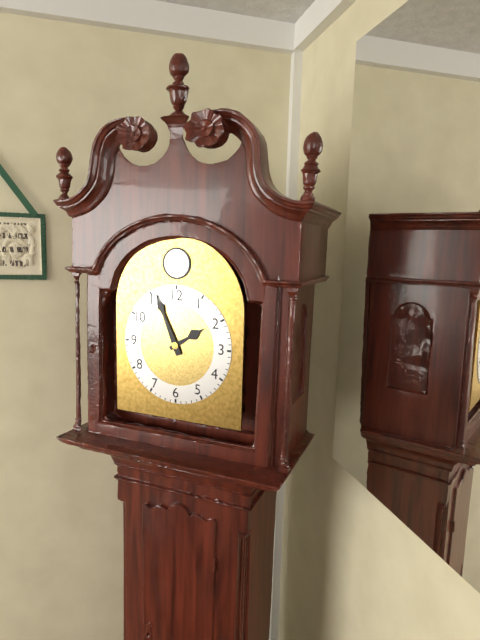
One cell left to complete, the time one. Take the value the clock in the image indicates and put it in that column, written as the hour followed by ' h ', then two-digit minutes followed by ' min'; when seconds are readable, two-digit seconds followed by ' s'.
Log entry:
1 h 56 min
